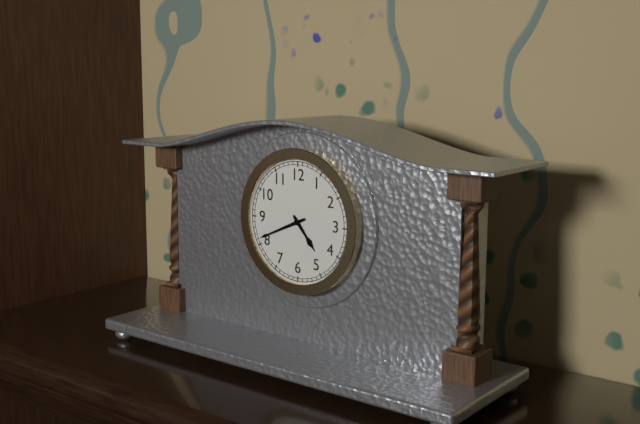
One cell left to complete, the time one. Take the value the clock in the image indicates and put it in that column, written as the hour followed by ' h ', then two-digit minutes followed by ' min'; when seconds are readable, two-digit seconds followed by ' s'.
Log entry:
4 h 41 min
